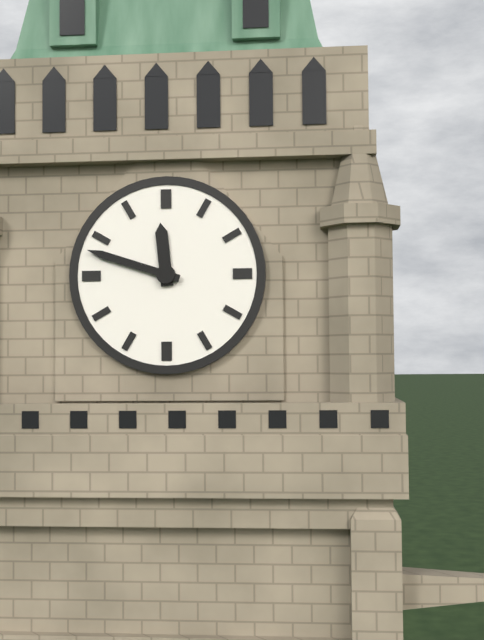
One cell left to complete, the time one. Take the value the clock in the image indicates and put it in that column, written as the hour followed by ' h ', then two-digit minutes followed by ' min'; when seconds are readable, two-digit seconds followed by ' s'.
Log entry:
11 h 48 min
